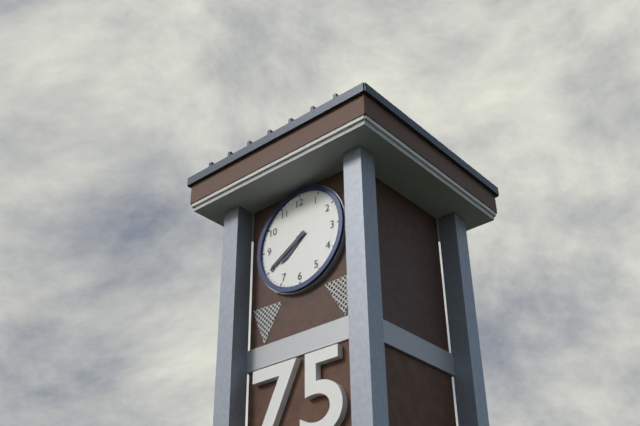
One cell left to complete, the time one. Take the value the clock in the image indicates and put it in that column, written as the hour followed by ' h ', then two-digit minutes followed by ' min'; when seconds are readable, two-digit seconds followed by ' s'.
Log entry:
7 h 40 min
